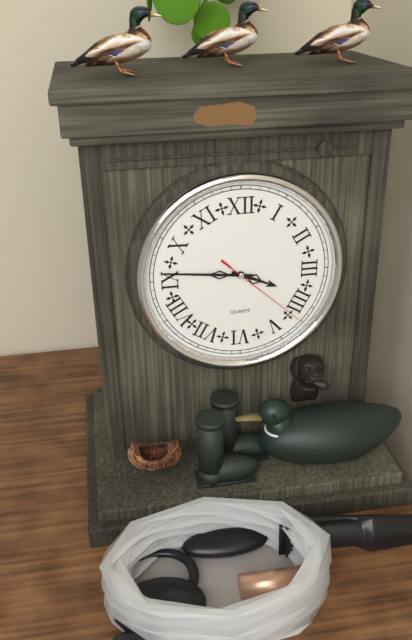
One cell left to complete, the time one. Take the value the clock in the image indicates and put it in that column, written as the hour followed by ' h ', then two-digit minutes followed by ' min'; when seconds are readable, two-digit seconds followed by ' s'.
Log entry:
3 h 46 min 22 s
